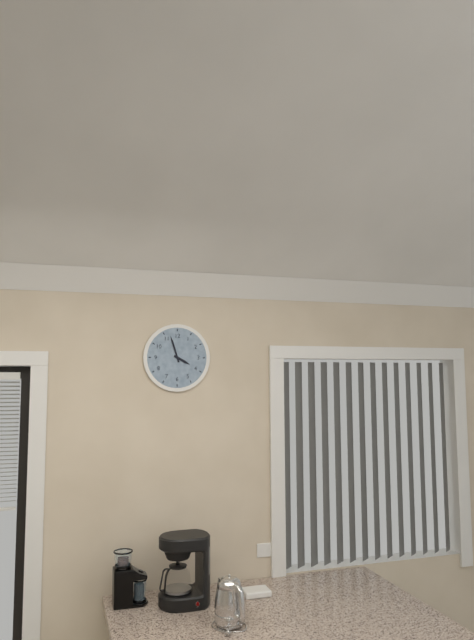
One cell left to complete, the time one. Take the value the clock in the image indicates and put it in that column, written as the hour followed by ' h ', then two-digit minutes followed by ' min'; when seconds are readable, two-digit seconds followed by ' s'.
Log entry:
3 h 57 min
